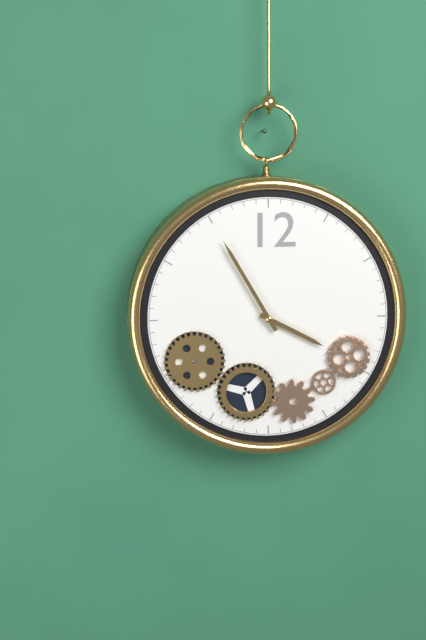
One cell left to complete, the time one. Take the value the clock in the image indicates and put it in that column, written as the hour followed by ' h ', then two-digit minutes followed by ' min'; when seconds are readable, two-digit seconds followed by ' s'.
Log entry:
3 h 55 min
